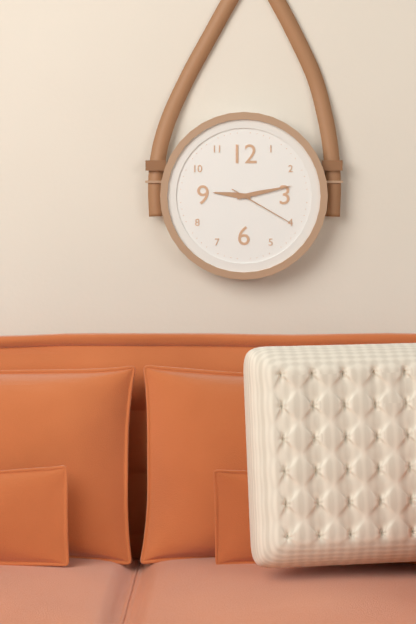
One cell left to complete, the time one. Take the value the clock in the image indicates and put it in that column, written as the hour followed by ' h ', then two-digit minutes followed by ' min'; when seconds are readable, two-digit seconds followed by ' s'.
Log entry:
9 h 13 min 20 s
